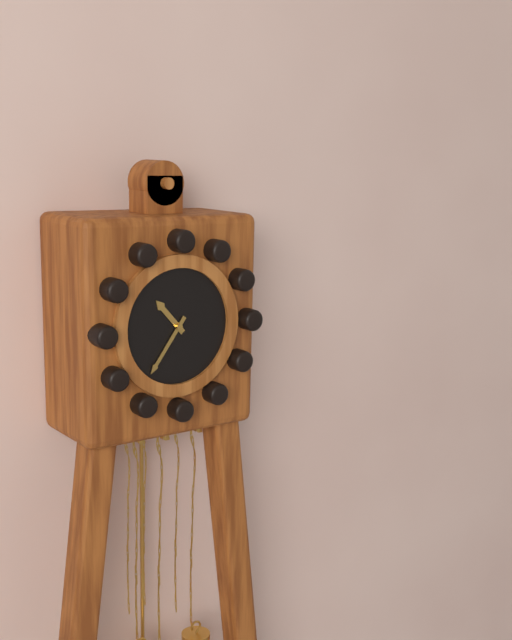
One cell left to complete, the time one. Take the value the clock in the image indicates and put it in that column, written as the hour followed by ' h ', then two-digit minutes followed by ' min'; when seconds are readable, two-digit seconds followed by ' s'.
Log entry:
10 h 36 min
